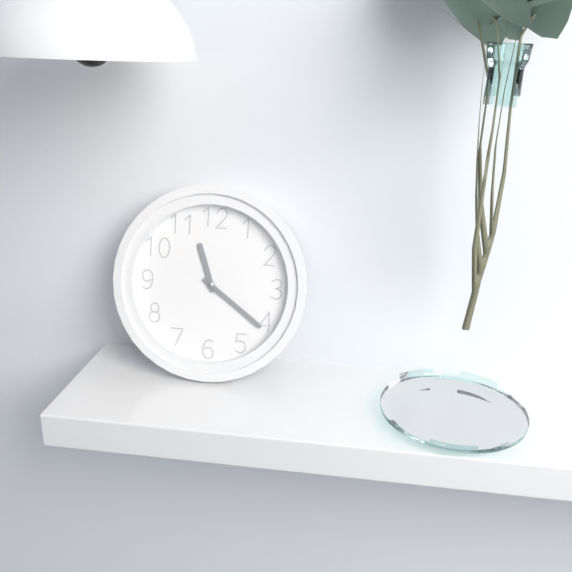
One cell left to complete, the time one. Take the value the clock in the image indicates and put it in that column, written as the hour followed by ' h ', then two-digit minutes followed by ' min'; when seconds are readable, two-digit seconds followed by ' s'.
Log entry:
11 h 21 min
